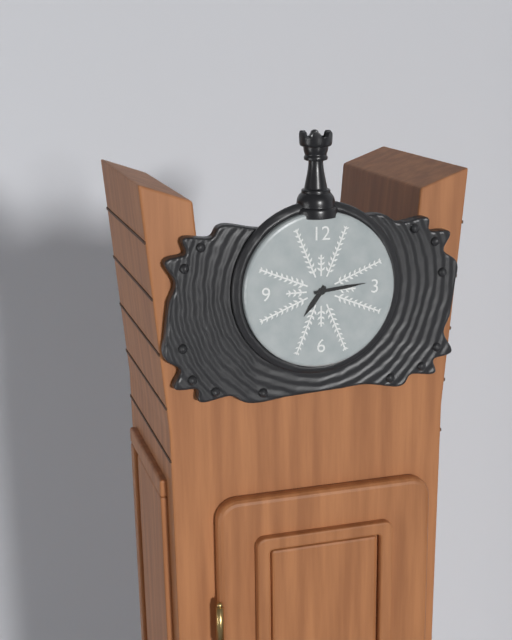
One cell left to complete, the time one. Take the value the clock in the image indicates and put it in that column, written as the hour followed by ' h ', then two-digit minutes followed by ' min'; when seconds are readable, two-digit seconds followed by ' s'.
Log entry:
7 h 14 min
